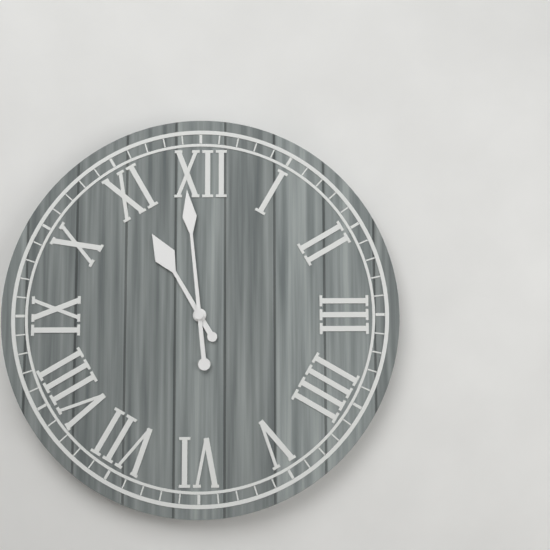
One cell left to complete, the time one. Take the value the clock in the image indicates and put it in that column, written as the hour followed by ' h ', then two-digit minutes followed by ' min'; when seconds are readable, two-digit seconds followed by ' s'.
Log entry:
10 h 59 min
